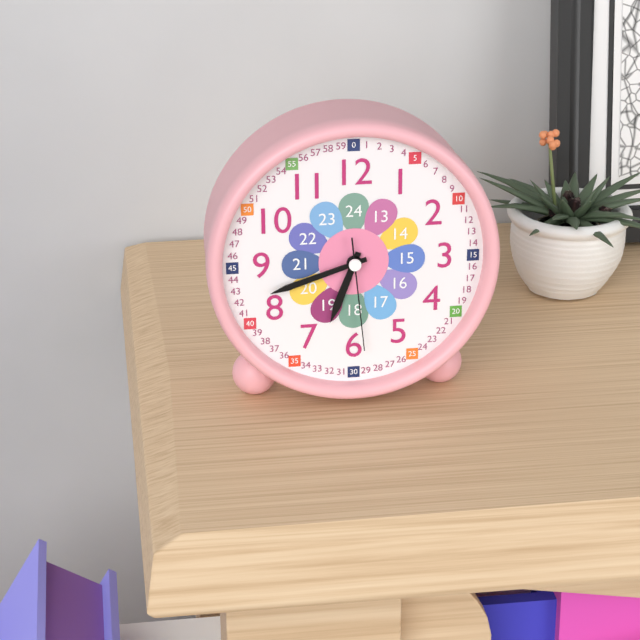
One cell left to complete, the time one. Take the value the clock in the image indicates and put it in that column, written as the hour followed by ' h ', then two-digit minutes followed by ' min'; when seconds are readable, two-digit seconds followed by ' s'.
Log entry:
6 h 42 min 29 s
